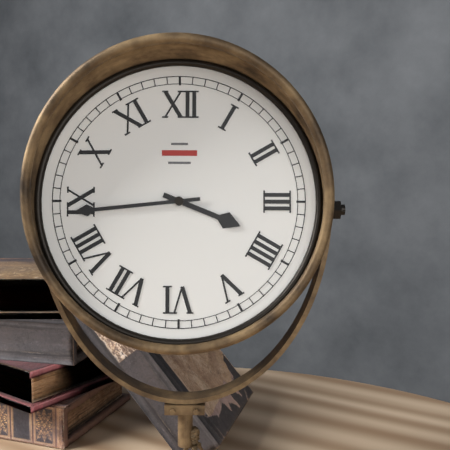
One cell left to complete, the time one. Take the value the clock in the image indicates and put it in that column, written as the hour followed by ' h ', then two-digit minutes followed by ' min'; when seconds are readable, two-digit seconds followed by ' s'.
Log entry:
3 h 44 min
